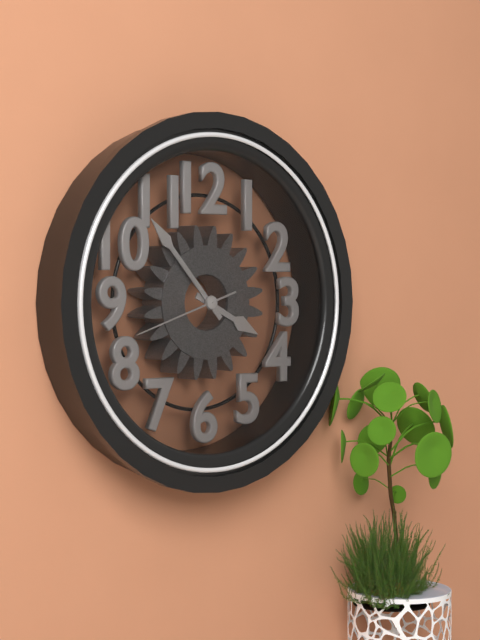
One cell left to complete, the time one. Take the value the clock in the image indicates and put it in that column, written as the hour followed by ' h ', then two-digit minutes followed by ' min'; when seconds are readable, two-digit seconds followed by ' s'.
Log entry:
3 h 53 min 42 s
